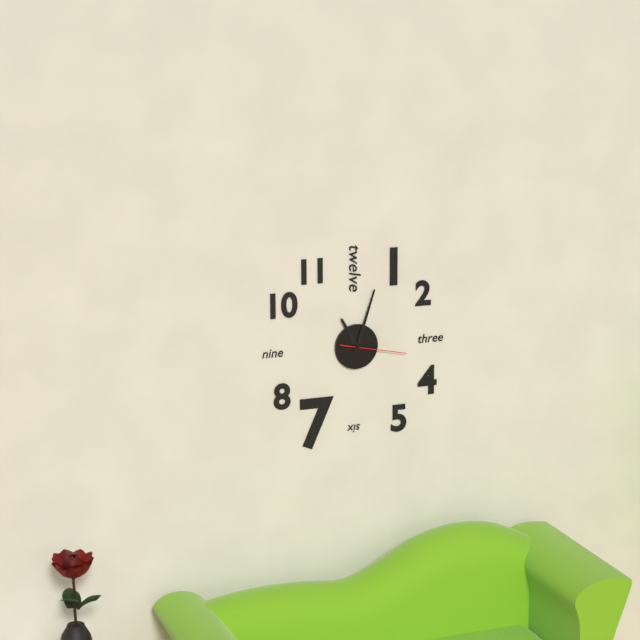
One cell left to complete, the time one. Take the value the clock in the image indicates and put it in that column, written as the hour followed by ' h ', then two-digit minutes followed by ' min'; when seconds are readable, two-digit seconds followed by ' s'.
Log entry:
11 h 03 min 17 s
